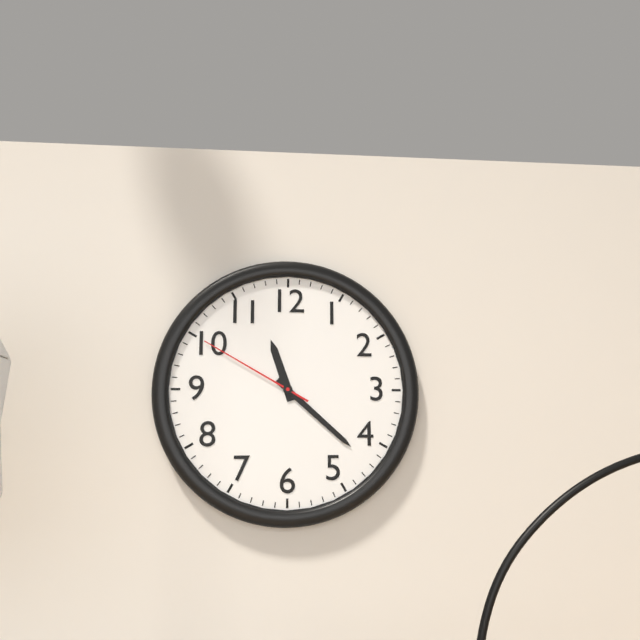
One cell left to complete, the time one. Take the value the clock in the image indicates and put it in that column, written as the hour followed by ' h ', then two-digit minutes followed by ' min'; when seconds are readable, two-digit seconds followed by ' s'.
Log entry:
11 h 22 min 50 s
